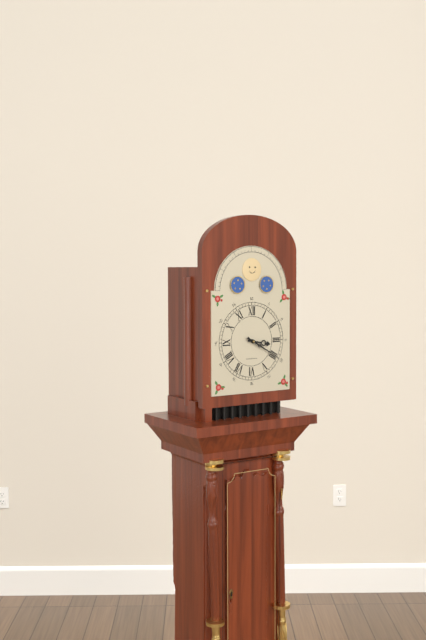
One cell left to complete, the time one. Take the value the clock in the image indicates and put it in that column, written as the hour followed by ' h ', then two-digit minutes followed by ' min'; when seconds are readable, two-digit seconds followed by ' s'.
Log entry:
3 h 20 min
